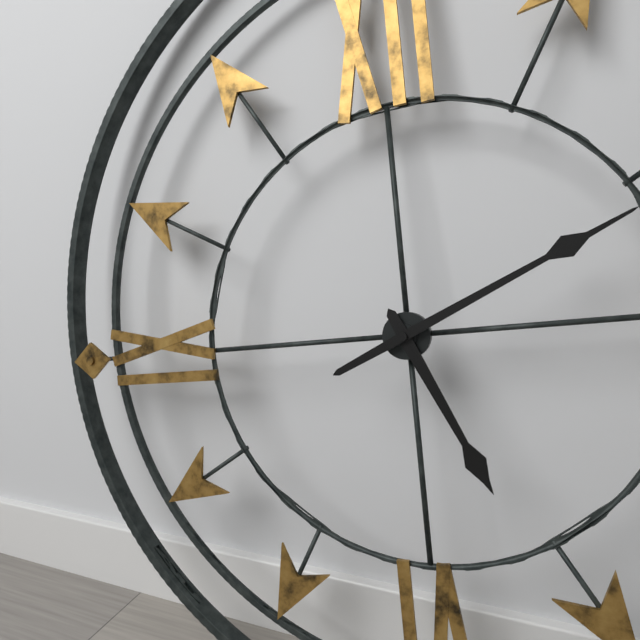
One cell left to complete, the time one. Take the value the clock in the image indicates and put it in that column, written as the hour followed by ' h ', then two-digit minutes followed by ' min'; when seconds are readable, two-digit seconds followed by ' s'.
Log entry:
5 h 11 min
